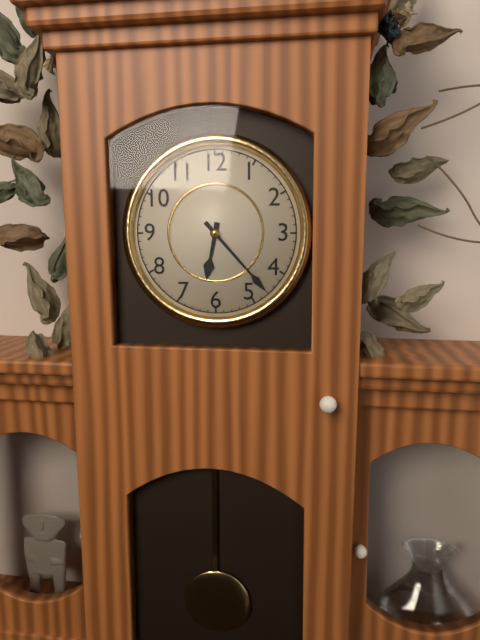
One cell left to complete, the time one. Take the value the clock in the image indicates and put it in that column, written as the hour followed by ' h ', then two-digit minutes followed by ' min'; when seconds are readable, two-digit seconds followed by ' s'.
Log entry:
6 h 23 min
